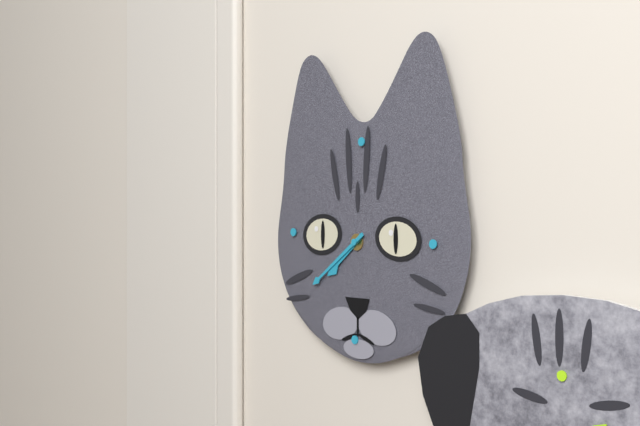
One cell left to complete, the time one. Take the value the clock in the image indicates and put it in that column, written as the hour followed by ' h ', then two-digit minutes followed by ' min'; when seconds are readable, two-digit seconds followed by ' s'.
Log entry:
7 h 39 min
